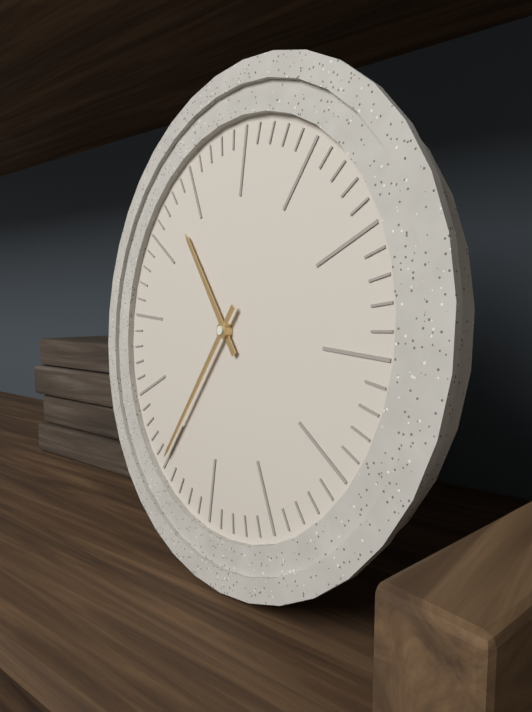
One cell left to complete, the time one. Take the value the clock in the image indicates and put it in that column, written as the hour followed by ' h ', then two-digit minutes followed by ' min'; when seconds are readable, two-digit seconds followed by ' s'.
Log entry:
10 h 35 min
